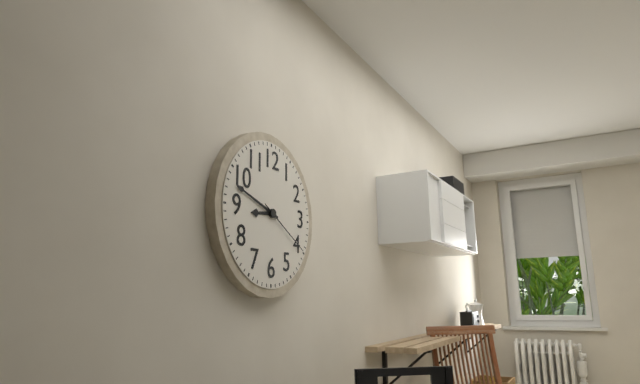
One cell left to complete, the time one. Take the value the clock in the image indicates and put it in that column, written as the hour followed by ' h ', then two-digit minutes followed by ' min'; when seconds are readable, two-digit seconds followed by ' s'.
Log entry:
8 h 48 min 20 s
